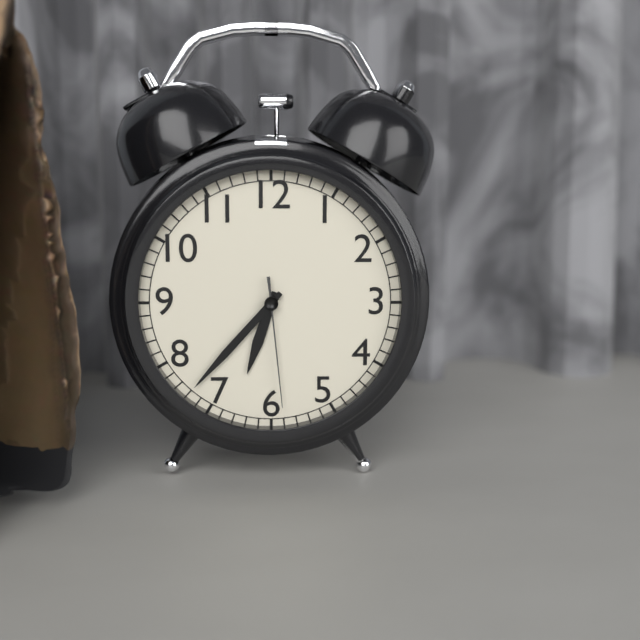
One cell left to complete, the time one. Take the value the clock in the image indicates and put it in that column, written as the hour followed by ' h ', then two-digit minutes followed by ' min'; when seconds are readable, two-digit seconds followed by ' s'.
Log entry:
6 h 37 min 29 s
